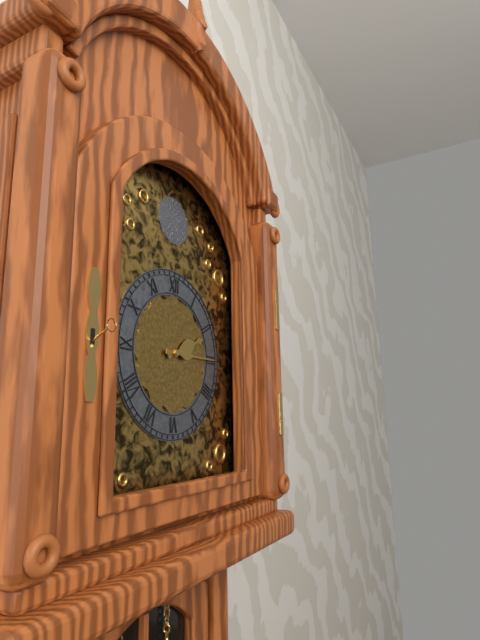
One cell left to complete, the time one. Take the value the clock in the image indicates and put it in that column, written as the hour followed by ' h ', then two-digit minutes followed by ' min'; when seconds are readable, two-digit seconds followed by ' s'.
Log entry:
2 h 15 min
